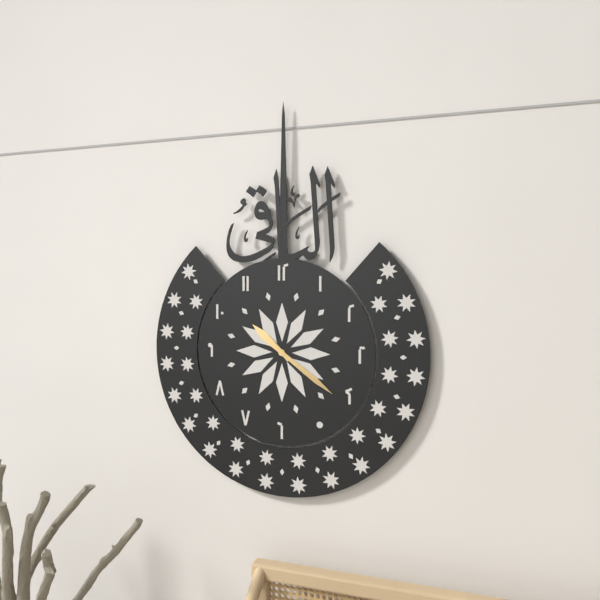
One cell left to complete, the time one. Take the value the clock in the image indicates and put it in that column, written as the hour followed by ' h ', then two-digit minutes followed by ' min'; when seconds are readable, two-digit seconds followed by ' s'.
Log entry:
10 h 21 min
